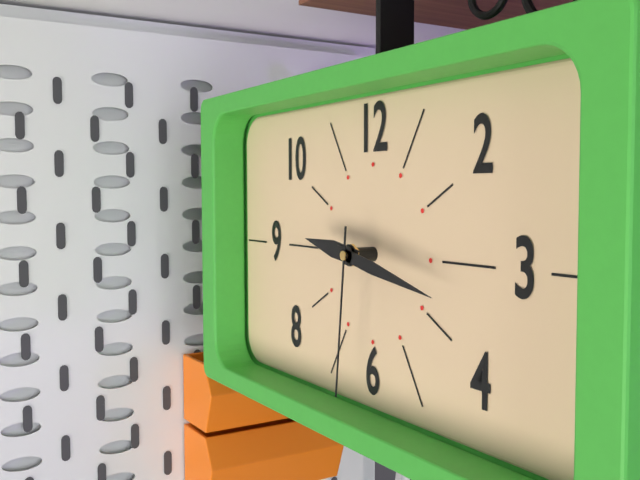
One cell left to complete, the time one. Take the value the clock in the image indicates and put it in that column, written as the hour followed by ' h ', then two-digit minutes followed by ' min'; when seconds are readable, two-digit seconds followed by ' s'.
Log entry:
9 h 17 min 31 s
